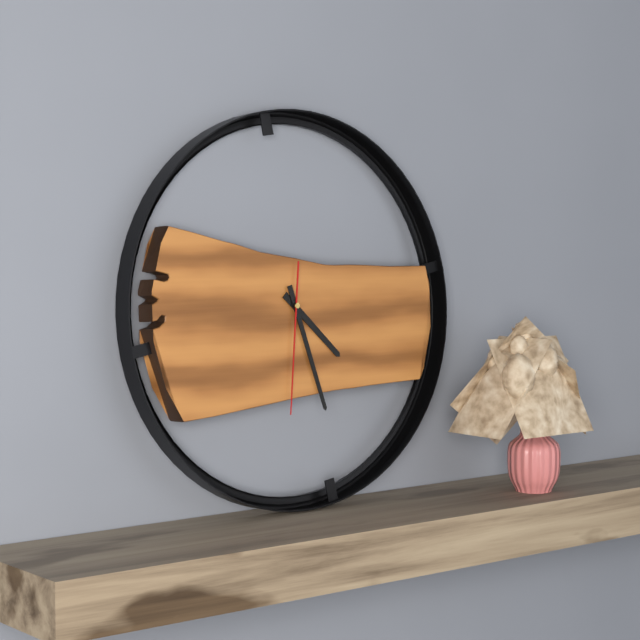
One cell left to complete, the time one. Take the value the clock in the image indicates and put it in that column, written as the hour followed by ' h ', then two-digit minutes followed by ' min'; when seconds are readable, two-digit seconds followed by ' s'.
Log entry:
4 h 27 min 31 s
